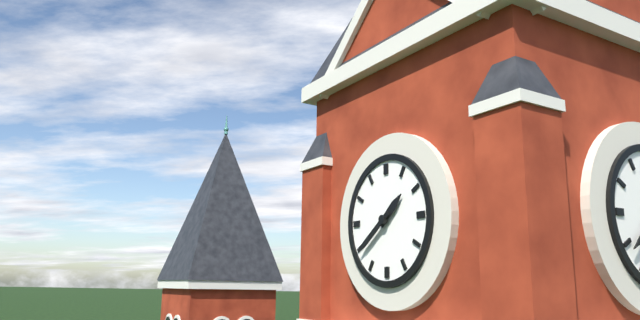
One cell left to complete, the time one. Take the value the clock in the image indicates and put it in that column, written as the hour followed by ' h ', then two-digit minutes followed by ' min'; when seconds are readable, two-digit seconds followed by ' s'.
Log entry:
1 h 39 min
